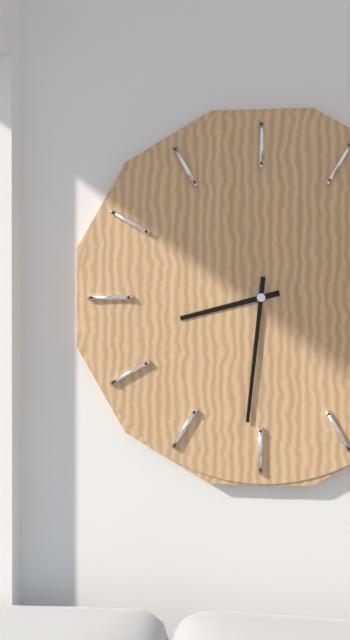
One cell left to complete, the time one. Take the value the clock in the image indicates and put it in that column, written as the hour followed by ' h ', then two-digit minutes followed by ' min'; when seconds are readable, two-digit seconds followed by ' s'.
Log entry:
8 h 31 min
